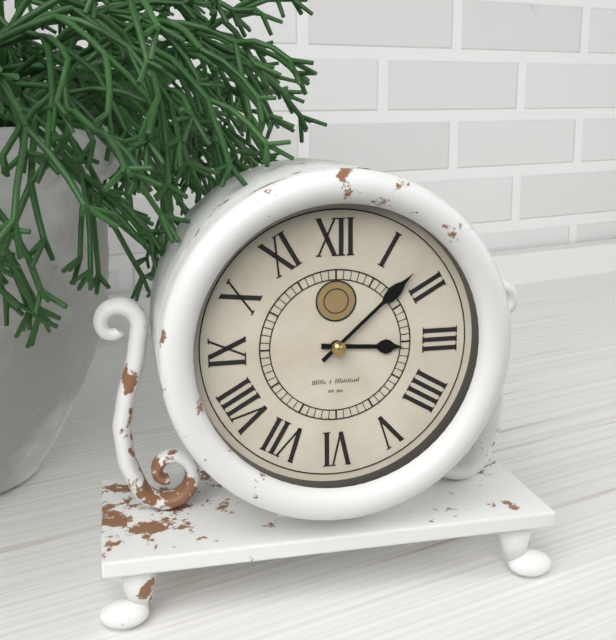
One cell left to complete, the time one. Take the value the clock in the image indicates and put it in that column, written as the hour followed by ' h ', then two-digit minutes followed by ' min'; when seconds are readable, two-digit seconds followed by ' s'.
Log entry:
3 h 08 min
